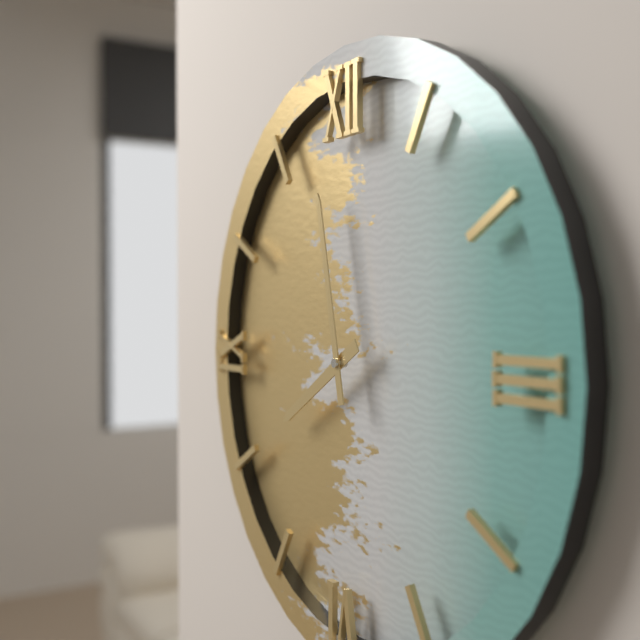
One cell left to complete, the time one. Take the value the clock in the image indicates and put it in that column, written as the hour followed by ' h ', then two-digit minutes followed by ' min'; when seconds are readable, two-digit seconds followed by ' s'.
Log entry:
7 h 58 min
